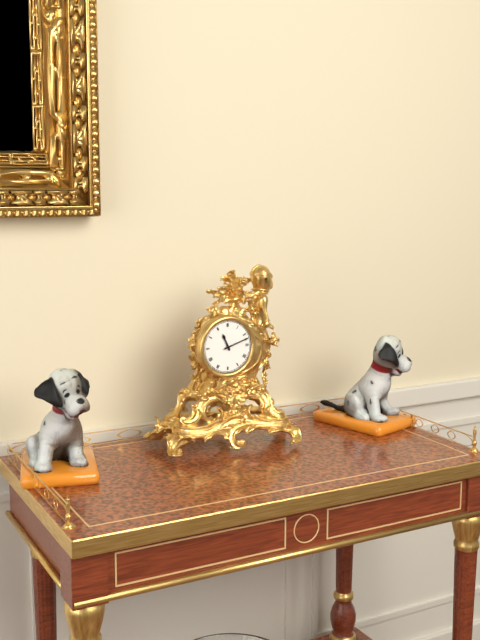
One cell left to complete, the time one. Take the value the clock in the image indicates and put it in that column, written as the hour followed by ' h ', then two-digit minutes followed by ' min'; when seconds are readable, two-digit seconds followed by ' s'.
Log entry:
11 h 12 min
